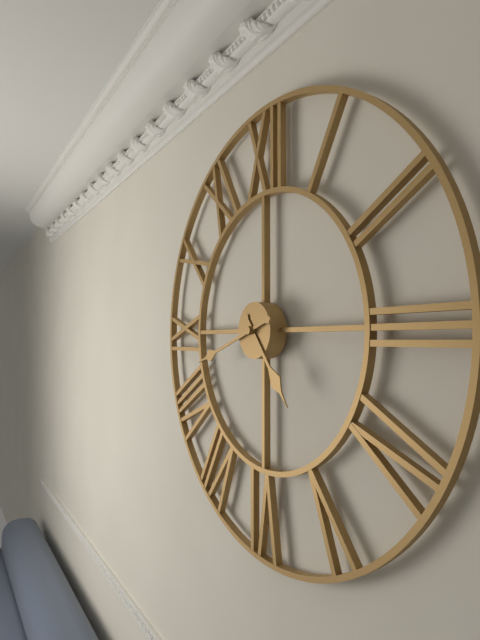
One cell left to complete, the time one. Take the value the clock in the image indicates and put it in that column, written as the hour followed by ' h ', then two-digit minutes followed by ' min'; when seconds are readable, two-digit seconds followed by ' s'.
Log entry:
4 h 42 min
